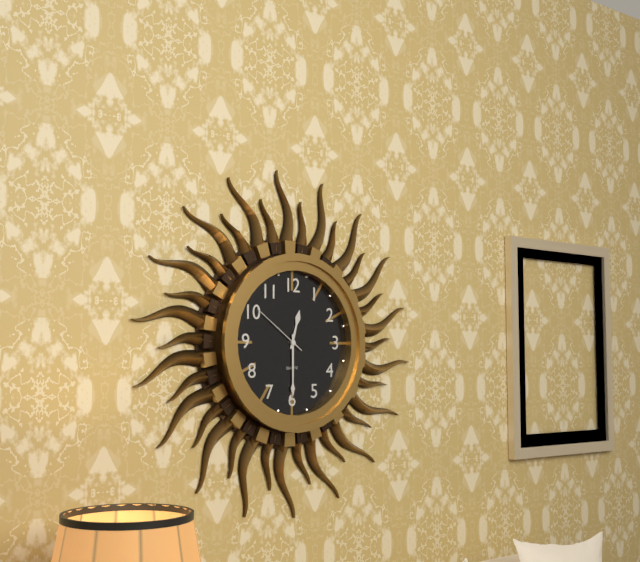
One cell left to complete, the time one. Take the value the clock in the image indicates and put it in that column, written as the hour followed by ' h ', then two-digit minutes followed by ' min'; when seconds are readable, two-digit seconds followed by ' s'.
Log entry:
12 h 30 min 51 s
